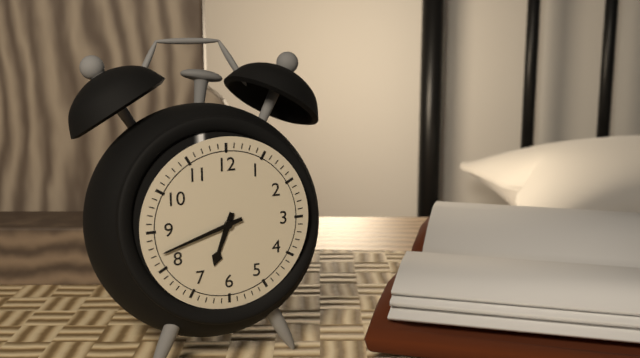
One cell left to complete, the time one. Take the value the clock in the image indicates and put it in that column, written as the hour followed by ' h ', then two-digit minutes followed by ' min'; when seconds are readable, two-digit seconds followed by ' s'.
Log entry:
6 h 42 min
